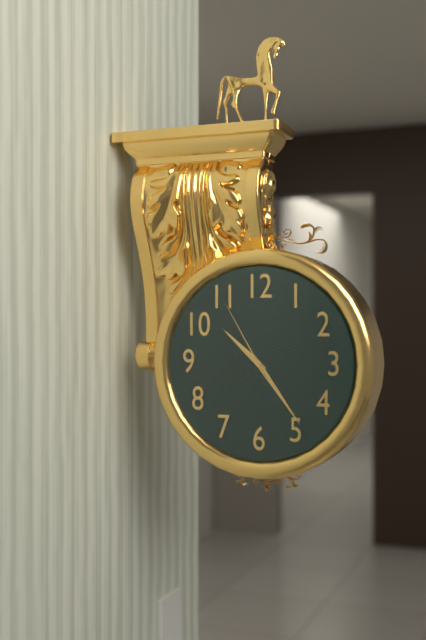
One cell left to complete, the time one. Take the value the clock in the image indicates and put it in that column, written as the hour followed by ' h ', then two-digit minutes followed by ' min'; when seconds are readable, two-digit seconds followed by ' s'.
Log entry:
10 h 24 min 55 s
